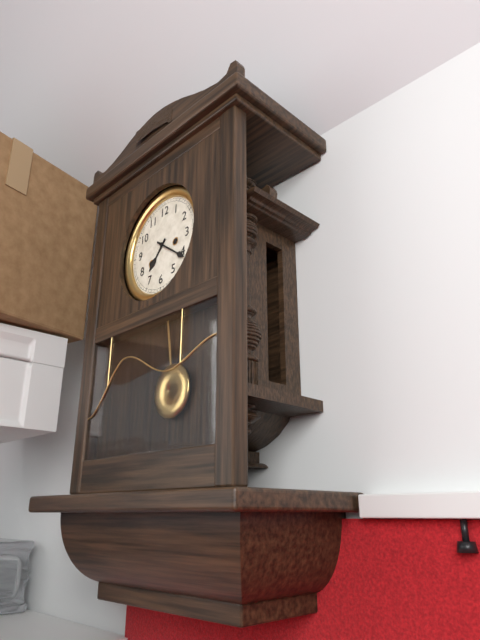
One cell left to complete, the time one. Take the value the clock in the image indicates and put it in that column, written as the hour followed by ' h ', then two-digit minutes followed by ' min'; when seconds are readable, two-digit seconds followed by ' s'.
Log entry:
7 h 21 min
